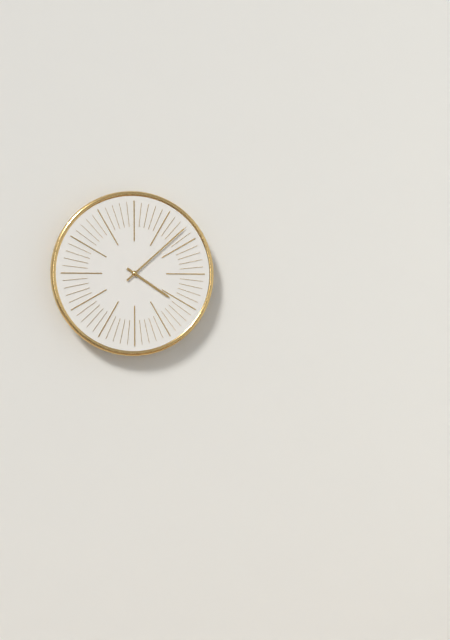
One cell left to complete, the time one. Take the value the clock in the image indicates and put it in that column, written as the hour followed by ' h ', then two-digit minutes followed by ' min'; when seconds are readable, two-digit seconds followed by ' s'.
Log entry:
4 h 08 min
